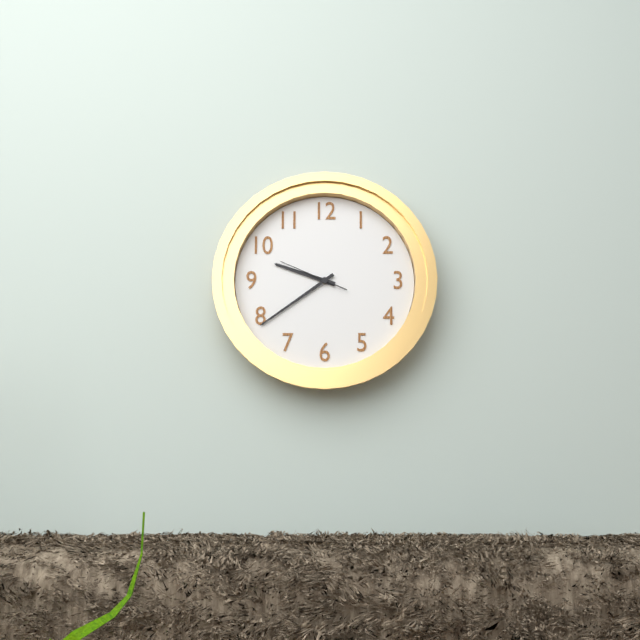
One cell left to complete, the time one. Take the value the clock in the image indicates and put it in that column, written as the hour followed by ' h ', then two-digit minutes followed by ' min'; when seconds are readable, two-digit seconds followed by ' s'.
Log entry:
9 h 39 min 49 s
